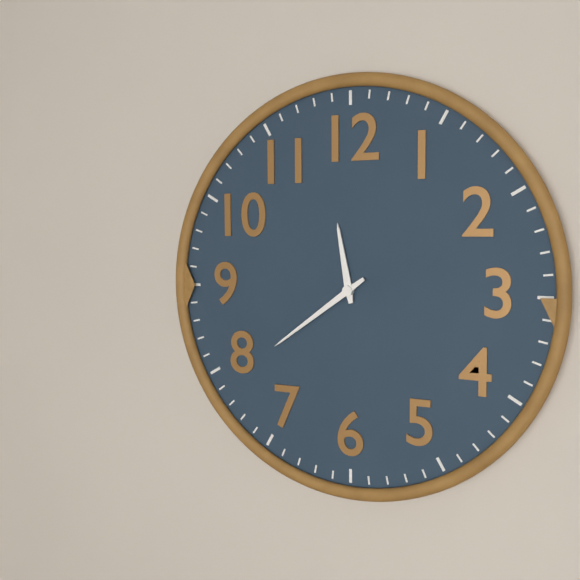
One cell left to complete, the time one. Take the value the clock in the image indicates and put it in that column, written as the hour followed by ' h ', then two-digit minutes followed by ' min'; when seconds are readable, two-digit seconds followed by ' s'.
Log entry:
11 h 39 min
